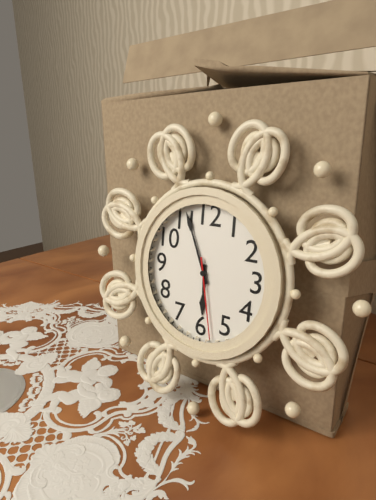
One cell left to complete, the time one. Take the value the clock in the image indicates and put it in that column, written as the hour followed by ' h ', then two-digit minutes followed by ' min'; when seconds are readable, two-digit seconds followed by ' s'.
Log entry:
5 h 56 min 28 s
